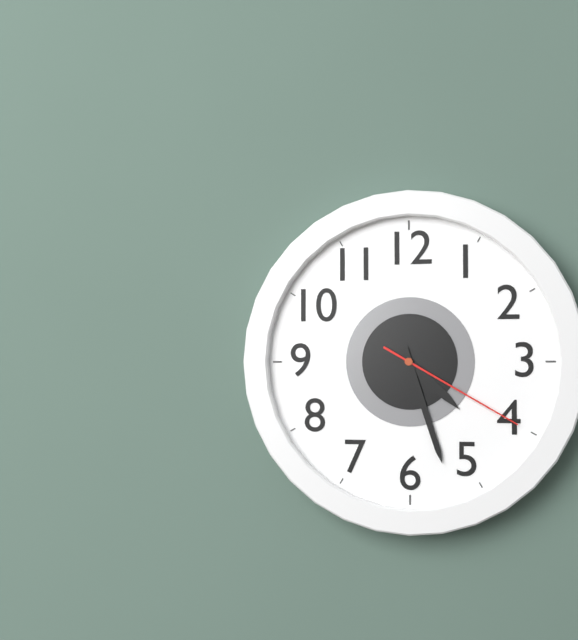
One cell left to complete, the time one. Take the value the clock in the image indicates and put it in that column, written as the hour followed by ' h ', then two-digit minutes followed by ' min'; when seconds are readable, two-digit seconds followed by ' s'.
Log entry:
4 h 27 min 20 s
